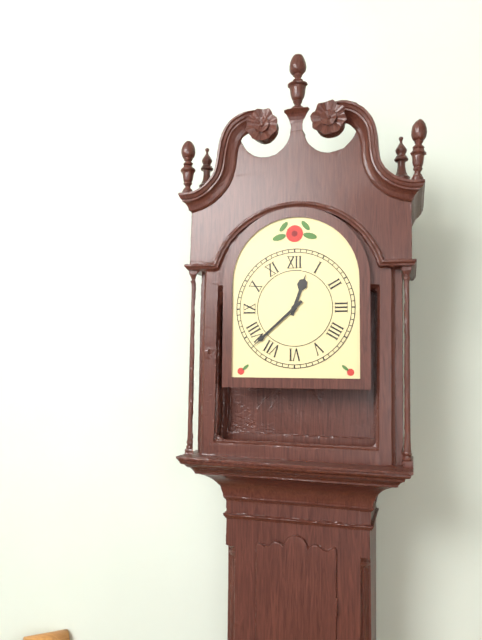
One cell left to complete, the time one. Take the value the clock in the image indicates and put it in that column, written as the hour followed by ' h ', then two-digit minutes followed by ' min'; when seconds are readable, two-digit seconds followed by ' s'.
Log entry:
12 h 38 min
